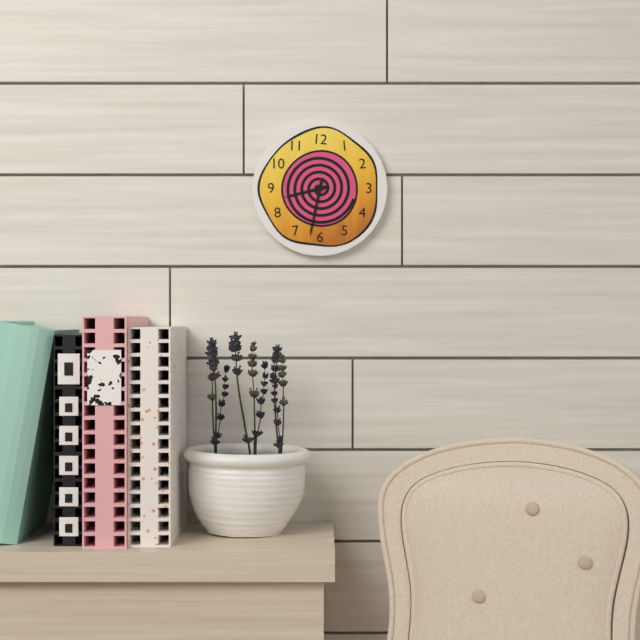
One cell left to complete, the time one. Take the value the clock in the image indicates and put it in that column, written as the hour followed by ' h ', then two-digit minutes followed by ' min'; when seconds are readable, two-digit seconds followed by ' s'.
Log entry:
8 h 32 min
